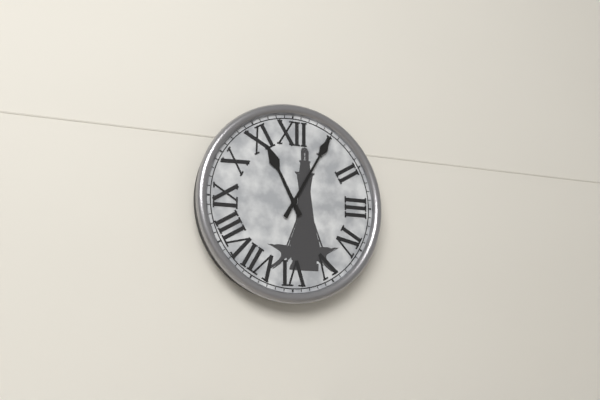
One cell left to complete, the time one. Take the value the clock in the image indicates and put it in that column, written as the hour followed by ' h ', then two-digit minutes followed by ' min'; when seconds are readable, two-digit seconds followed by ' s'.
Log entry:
11 h 05 min
